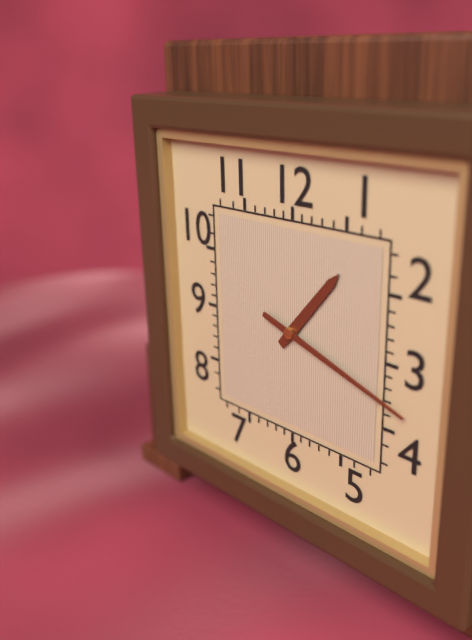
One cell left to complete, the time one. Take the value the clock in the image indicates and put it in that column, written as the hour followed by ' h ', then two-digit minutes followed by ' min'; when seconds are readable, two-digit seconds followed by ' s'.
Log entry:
1 h 18 min
